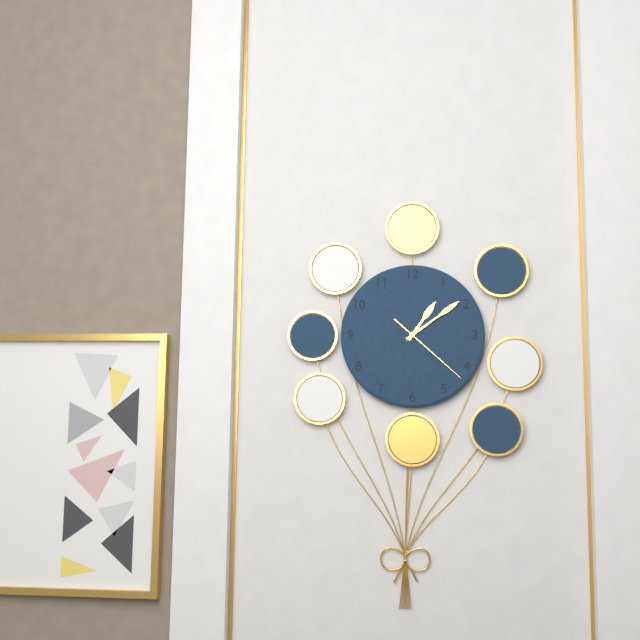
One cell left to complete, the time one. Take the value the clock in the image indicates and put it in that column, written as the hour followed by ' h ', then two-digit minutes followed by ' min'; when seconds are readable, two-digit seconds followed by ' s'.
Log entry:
1 h 09 min 22 s
